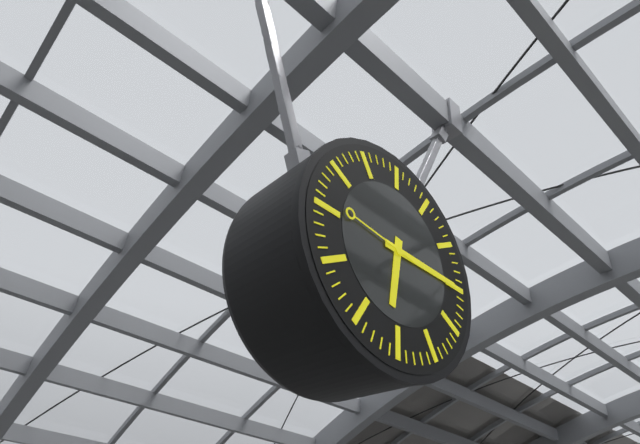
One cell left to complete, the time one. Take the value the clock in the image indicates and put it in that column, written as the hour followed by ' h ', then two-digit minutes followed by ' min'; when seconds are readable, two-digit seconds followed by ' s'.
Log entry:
6 h 15 min 46 s
